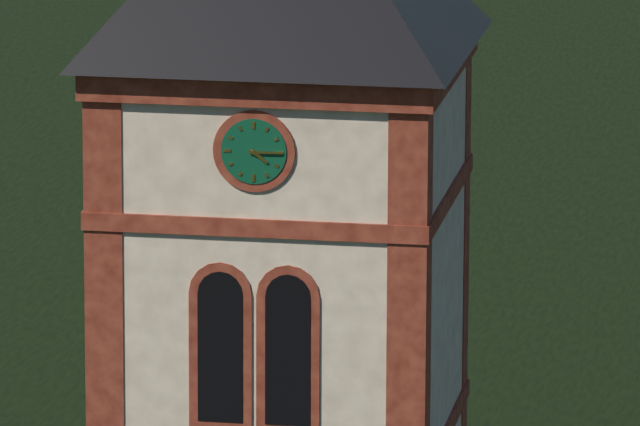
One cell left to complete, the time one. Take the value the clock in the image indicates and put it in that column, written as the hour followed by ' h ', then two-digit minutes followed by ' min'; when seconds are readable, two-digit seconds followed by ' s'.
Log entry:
4 h 15 min
